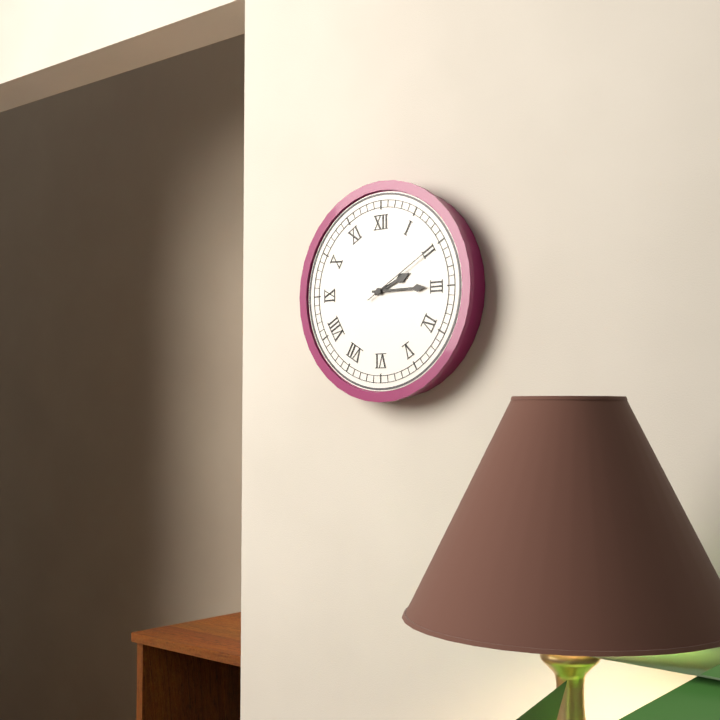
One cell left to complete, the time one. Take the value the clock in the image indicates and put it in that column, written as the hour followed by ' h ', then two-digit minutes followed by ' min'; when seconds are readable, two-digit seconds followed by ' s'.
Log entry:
2 h 15 min 10 s
